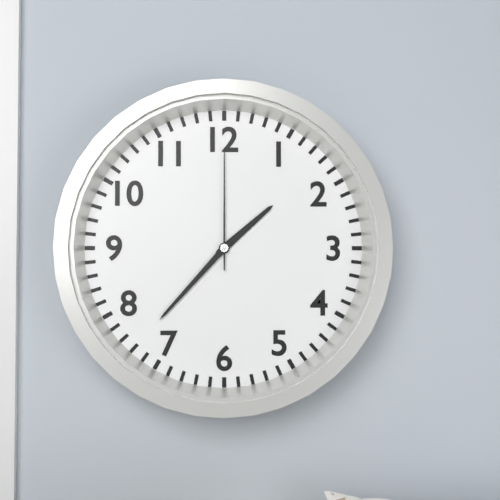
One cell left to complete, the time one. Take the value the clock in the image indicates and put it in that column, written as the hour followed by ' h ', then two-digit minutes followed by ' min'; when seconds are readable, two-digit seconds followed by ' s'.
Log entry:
1 h 37 min 00 s
